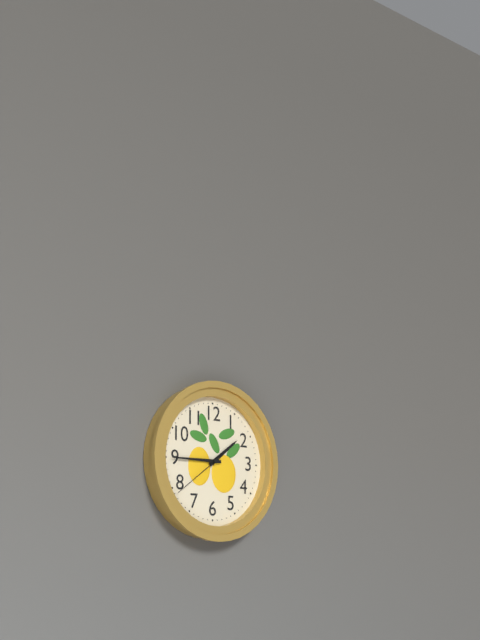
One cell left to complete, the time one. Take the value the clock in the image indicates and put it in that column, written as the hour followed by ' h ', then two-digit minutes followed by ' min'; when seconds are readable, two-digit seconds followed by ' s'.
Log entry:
1 h 45 min 39 s
